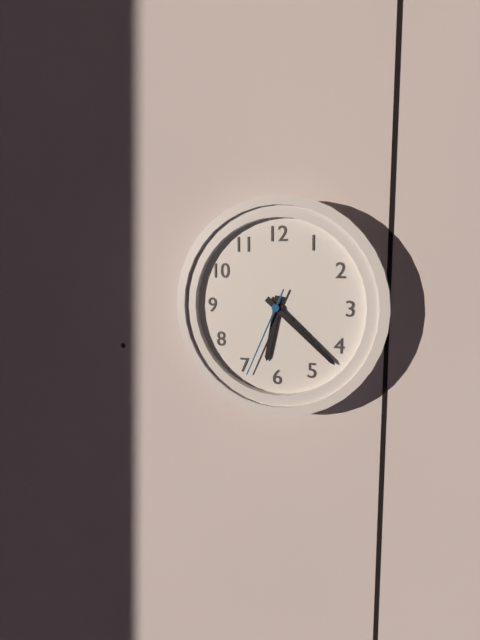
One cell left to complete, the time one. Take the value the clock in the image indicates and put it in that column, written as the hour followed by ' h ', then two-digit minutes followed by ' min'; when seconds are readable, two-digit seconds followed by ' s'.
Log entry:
6 h 22 min 34 s
